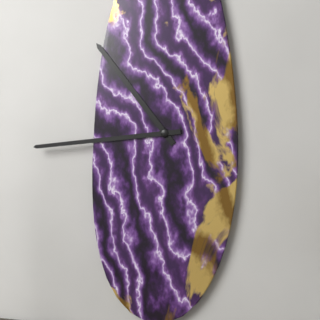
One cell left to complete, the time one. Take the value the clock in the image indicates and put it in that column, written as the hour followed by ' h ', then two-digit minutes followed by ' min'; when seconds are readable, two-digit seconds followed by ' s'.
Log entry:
10 h 44 min
